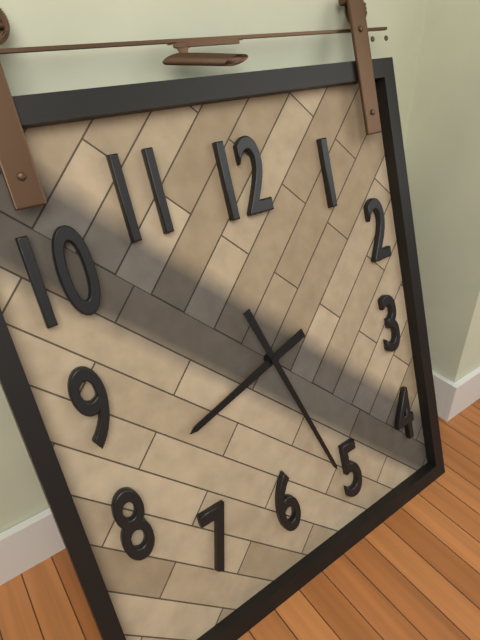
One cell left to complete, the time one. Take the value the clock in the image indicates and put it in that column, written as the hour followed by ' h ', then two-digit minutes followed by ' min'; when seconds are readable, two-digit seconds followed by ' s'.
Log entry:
8 h 27 min
